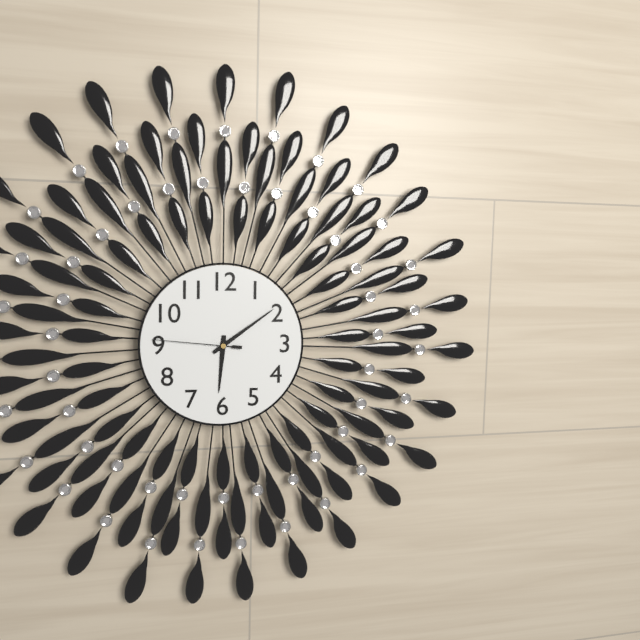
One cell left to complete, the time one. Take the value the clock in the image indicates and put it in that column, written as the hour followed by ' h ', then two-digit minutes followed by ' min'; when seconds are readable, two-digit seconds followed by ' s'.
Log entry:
6 h 09 min 46 s
